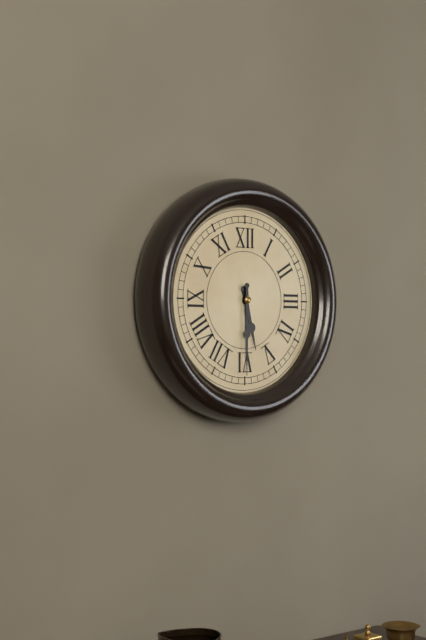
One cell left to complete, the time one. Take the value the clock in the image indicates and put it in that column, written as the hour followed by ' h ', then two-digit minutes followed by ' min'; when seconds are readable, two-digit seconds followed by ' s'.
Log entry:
5 h 30 min
